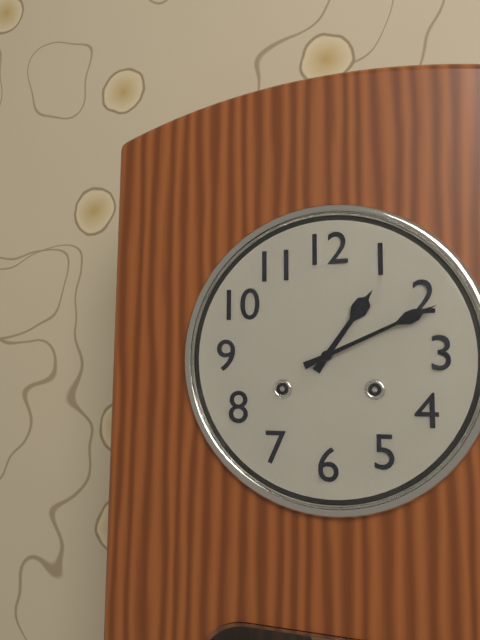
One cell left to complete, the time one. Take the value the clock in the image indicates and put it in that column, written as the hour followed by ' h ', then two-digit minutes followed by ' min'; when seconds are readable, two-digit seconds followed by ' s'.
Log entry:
1 h 11 min
